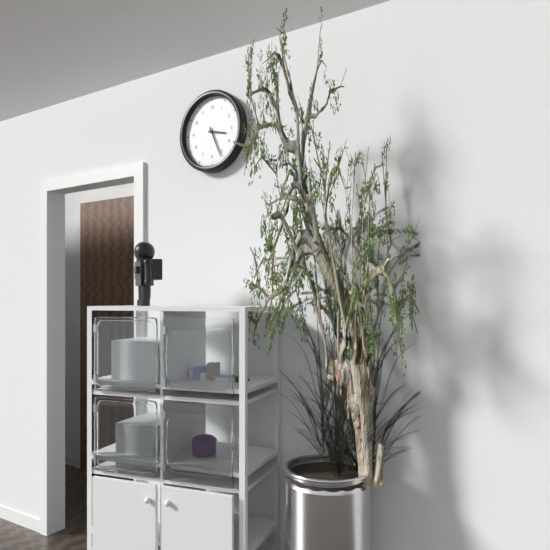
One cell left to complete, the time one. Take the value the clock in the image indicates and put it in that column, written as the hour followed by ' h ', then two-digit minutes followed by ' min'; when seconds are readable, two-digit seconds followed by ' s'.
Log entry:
3 h 26 min
